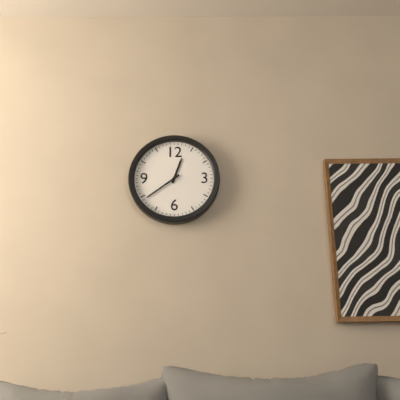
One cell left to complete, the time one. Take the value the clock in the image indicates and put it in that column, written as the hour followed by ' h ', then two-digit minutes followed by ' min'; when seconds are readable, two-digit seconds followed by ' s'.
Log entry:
12 h 39 min
